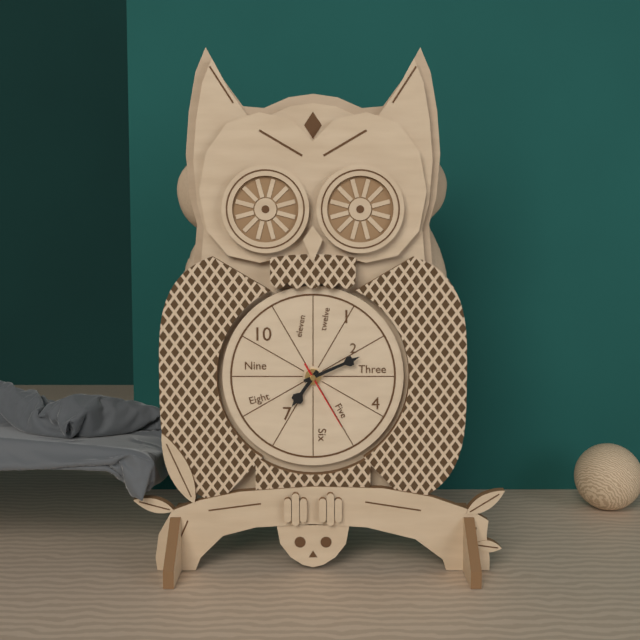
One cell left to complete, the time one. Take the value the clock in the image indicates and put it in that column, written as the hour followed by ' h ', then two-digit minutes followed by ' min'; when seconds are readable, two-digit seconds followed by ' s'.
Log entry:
7 h 11 min 25 s
